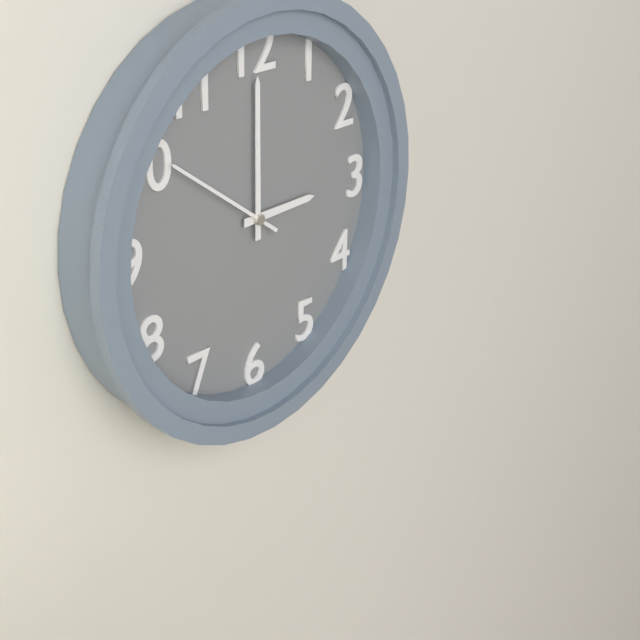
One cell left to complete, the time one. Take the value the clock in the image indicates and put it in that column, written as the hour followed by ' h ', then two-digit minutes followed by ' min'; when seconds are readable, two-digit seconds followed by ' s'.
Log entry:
3 h 00 min 51 s
